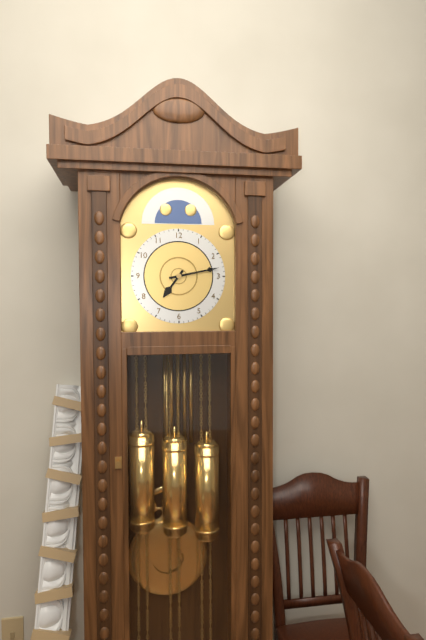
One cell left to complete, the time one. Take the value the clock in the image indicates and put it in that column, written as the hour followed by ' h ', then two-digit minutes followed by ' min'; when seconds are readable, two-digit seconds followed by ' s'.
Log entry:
7 h 13 min
